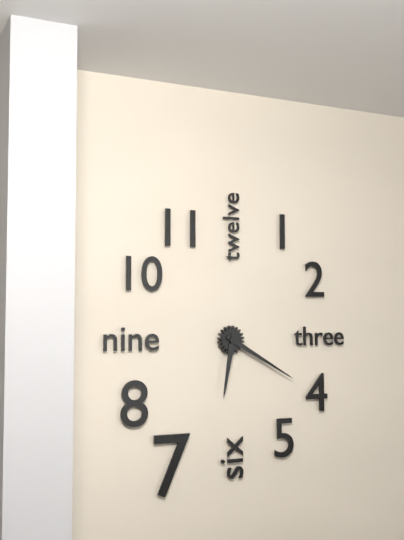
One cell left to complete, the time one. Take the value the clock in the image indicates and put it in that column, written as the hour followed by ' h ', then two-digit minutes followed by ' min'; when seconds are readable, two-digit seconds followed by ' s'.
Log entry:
6 h 20 min
